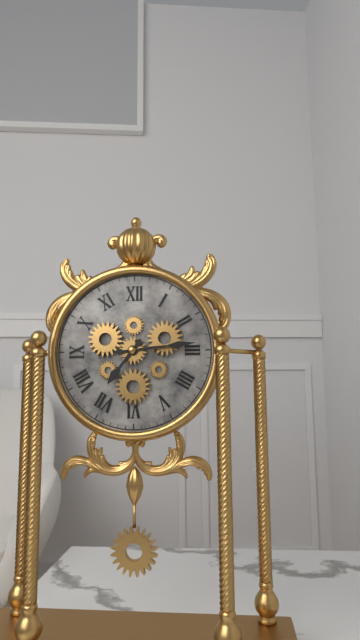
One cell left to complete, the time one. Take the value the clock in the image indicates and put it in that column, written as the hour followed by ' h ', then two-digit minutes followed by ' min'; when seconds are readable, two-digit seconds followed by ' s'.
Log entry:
7 h 14 min
